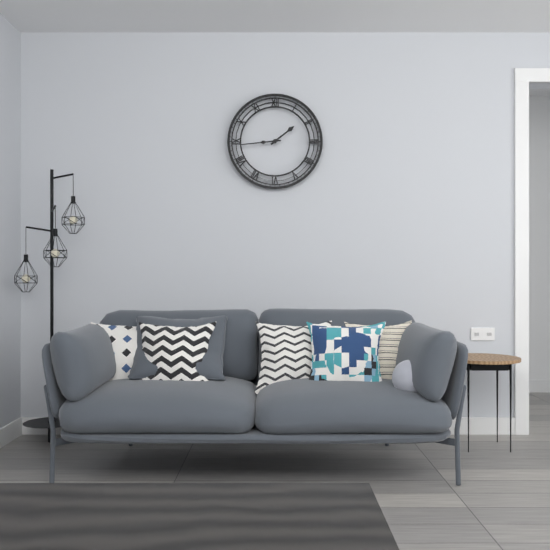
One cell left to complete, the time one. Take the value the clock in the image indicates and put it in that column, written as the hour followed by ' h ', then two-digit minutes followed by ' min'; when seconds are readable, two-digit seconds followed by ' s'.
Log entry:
1 h 44 min
